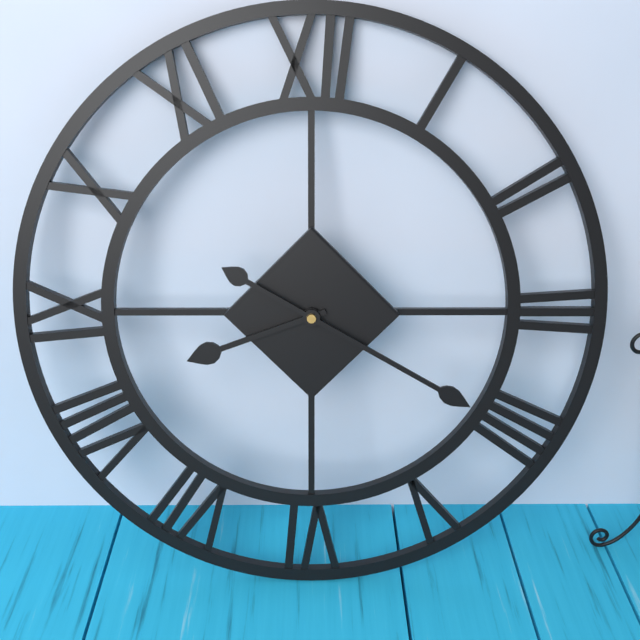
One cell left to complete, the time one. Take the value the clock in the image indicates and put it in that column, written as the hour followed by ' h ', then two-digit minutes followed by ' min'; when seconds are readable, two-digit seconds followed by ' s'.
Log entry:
8 h 20 min
